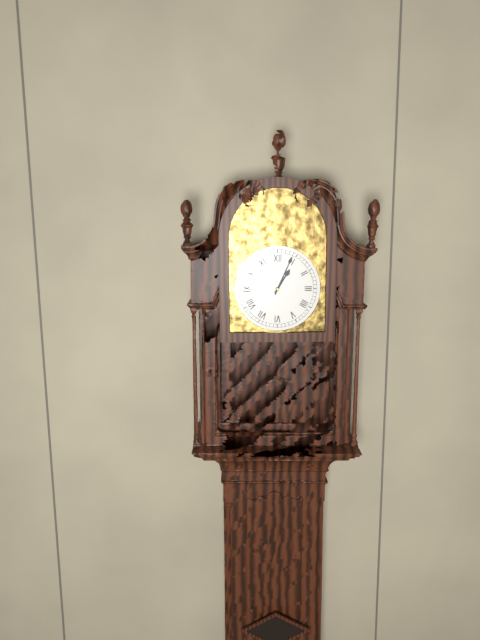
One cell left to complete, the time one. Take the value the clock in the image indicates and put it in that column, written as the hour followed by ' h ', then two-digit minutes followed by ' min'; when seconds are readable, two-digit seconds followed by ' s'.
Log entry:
1 h 04 min
